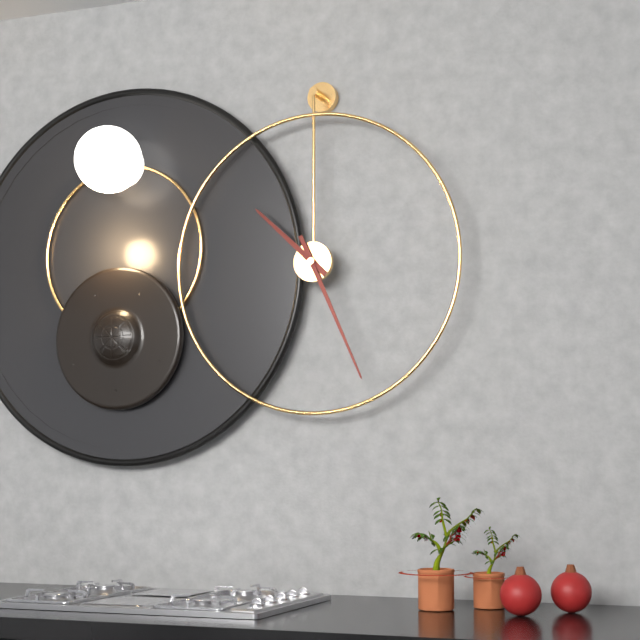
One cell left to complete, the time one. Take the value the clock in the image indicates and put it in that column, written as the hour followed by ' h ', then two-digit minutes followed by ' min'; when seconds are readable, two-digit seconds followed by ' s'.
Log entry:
10 h 26 min
